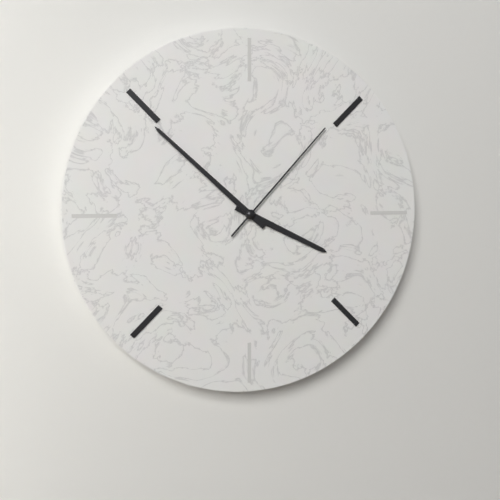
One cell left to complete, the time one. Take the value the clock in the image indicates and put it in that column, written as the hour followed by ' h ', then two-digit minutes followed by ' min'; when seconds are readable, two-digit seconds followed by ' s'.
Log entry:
3 h 52 min 07 s
